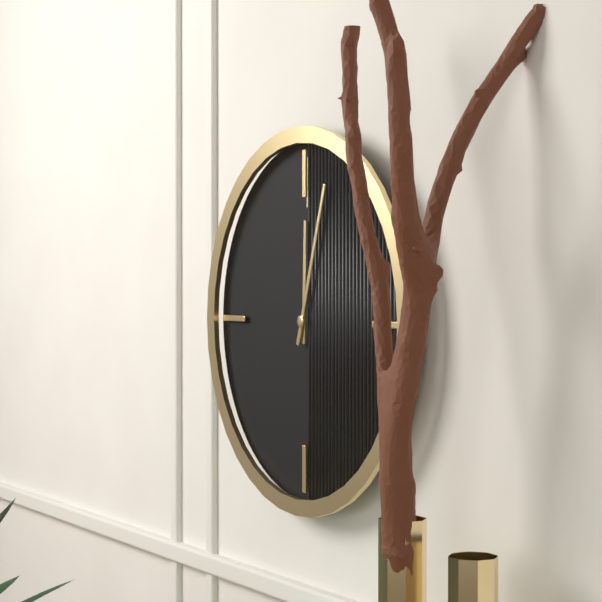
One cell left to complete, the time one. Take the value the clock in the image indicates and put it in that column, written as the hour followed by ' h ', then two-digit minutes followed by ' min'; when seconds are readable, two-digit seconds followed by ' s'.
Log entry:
12 h 03 min
